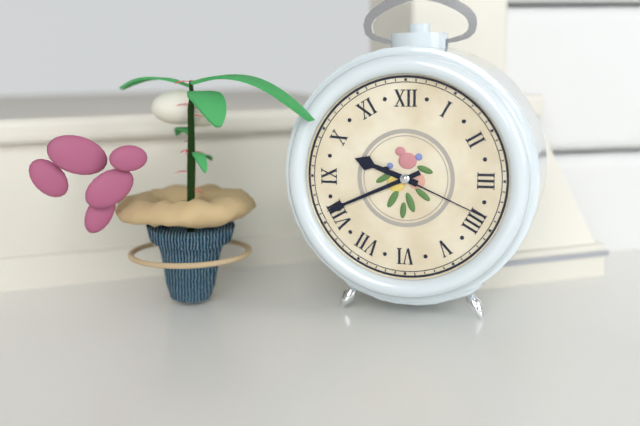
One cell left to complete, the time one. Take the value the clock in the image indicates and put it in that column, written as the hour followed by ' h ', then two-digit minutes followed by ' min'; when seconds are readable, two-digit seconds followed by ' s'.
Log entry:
9 h 41 min 19 s
